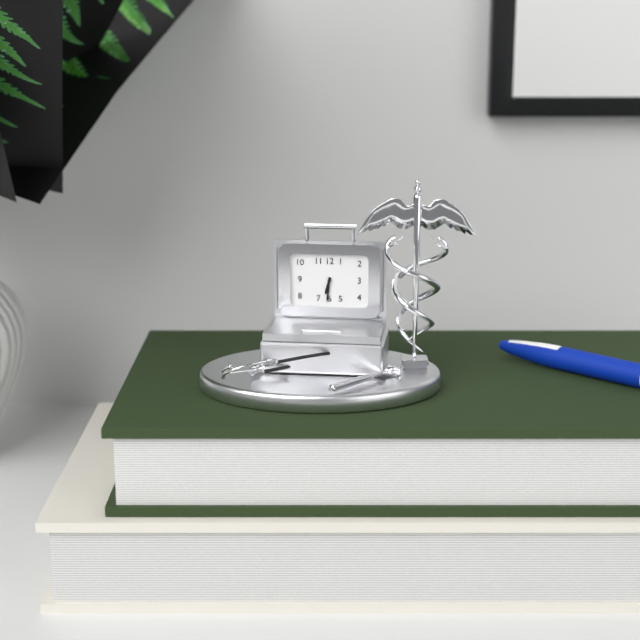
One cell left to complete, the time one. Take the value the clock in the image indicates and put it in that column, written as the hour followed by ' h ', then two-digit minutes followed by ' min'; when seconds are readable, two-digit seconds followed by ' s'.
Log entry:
6 h 31 min
